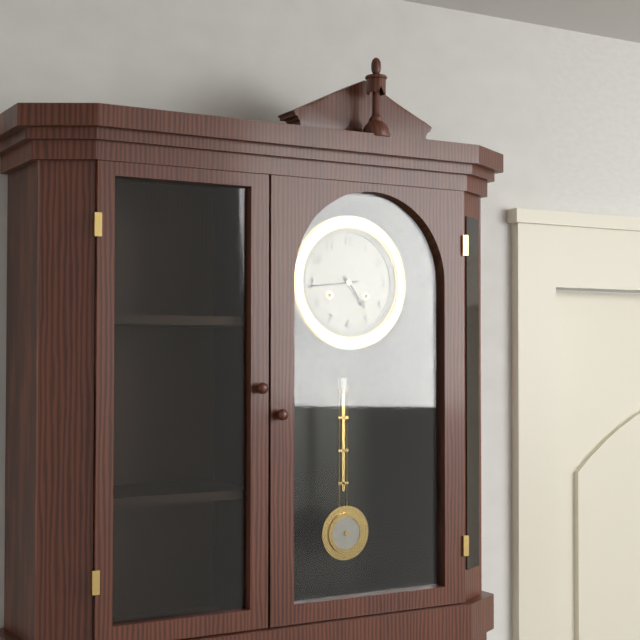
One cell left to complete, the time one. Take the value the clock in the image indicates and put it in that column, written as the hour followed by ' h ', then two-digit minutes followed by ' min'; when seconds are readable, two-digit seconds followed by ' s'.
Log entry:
4 h 44 min
